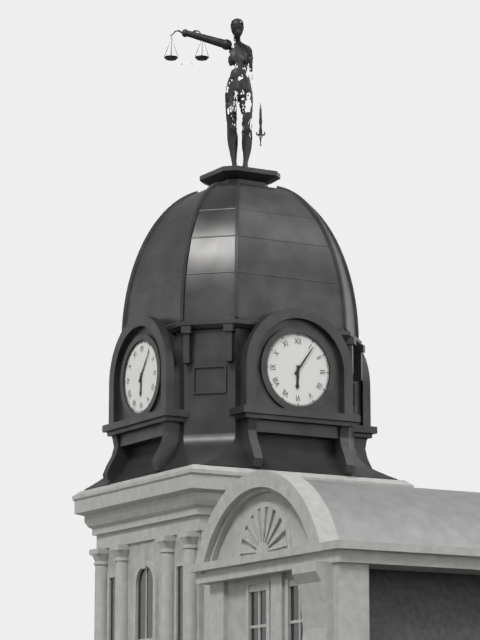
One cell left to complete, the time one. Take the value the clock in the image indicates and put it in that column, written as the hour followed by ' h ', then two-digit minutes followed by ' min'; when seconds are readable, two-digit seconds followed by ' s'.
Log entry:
6 h 06 min
